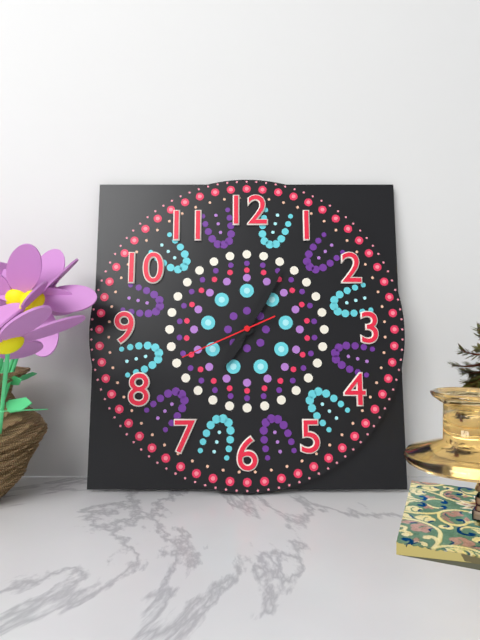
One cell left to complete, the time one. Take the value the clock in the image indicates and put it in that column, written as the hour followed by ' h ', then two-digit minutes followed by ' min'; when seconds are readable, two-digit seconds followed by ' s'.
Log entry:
7 h 05 min 41 s
